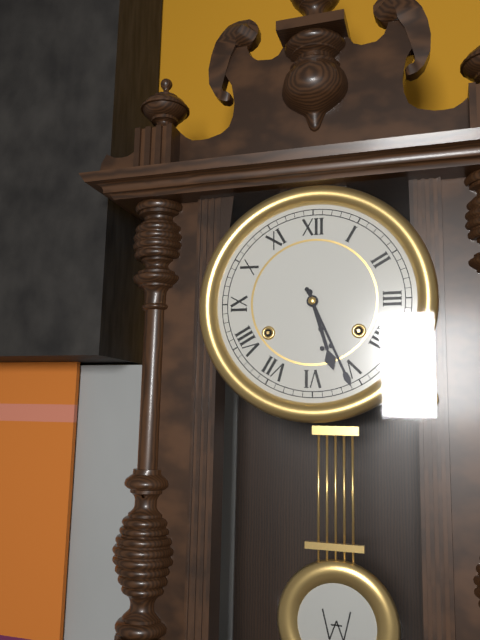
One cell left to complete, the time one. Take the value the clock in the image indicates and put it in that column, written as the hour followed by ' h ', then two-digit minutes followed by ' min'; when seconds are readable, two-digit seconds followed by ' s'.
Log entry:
5 h 26 min
